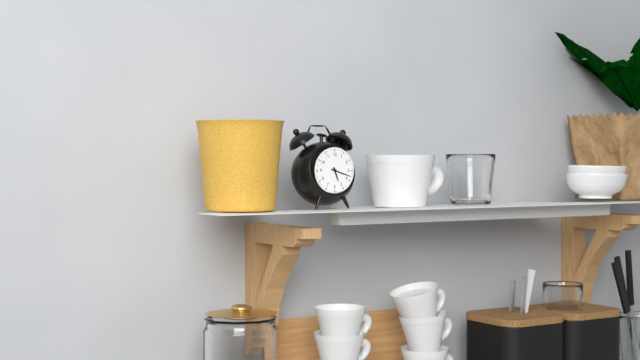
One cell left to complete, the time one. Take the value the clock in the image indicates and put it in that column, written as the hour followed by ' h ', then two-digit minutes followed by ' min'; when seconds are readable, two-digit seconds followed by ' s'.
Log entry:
5 h 18 min
